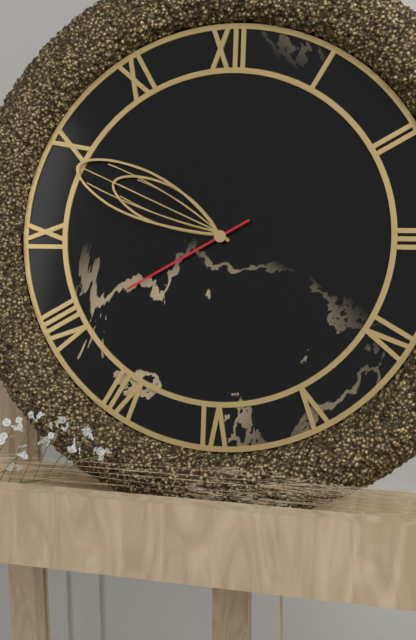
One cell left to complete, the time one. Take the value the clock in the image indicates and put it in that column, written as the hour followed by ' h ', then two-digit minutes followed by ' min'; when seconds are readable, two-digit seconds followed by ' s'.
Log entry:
9 h 49 min 40 s
